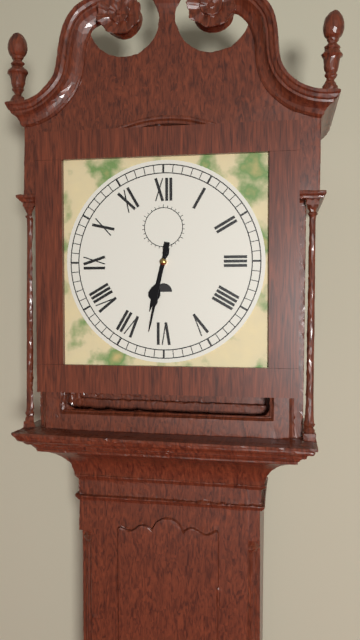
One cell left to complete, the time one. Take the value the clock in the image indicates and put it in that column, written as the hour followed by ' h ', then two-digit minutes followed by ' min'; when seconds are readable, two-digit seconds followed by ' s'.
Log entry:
6 h 32 min
